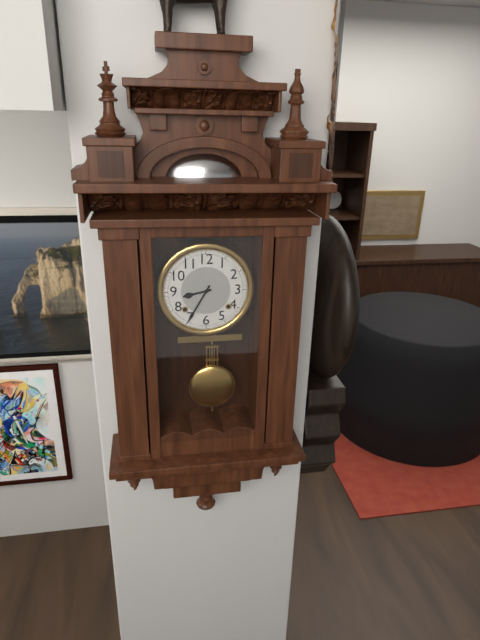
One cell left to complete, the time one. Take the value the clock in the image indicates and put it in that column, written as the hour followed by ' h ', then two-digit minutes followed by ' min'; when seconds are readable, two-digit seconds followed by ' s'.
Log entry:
8 h 35 min
